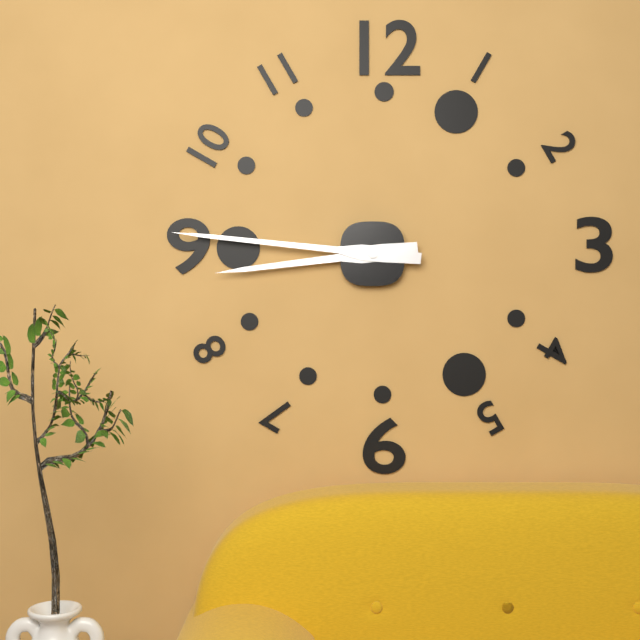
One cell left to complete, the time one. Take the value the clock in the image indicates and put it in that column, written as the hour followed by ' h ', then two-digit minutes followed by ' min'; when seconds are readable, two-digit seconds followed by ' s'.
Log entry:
8 h 46 min
